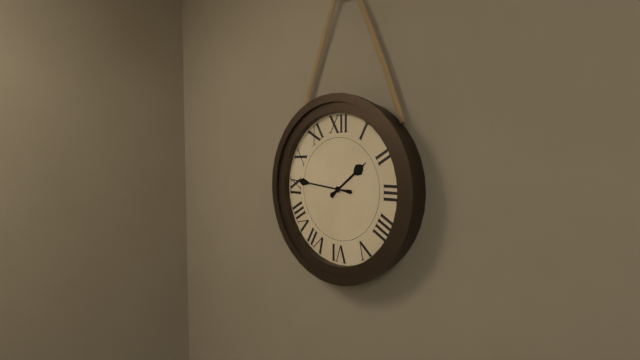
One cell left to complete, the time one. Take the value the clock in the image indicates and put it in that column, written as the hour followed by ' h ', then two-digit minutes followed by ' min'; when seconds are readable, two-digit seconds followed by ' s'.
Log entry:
1 h 46 min
